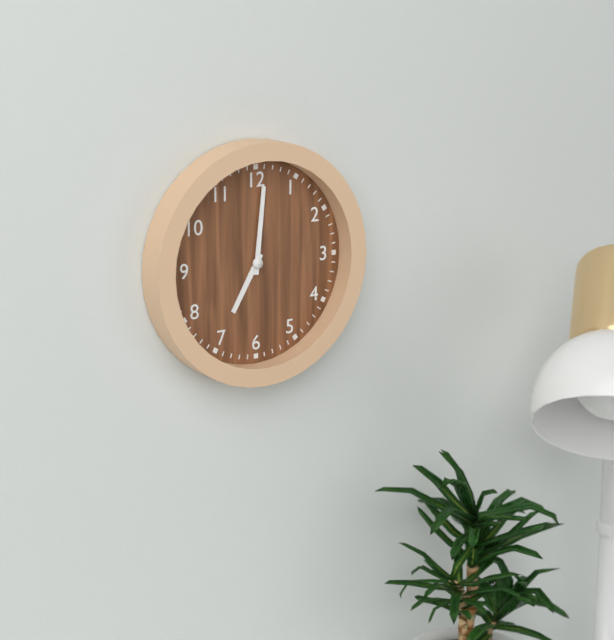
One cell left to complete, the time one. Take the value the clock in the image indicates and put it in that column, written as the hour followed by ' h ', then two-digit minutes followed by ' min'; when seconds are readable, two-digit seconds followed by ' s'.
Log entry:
7 h 01 min
